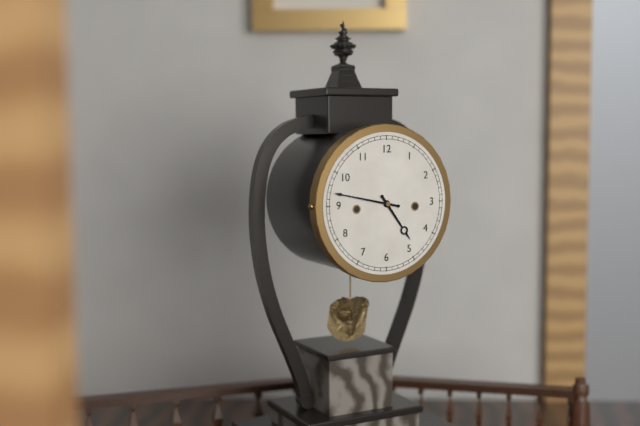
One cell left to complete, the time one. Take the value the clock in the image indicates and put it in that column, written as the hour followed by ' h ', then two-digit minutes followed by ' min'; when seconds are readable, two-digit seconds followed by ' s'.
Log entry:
4 h 47 min
